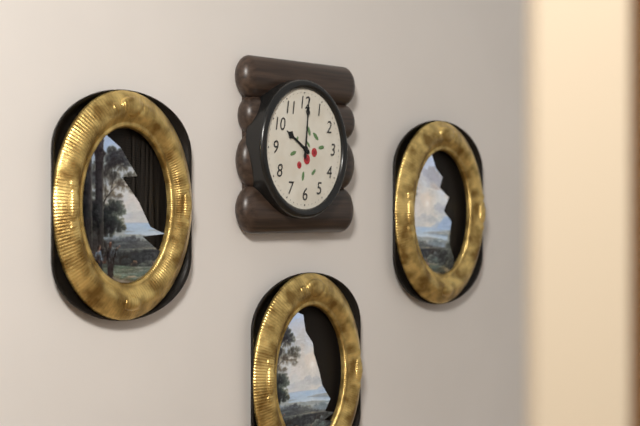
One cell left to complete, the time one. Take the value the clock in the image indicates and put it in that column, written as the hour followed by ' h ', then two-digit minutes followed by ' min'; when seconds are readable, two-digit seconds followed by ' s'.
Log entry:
10 h 01 min
